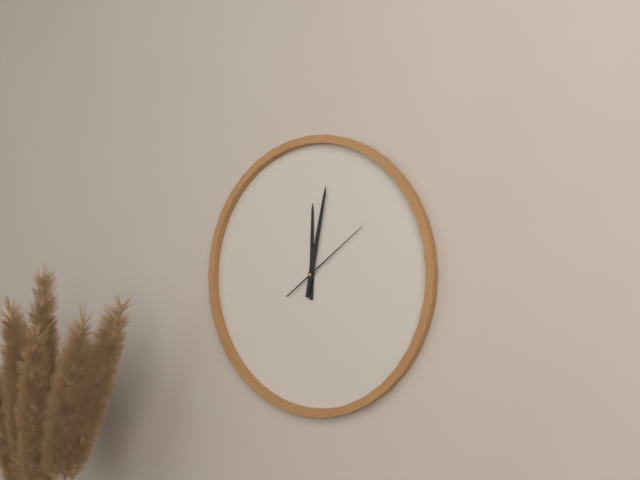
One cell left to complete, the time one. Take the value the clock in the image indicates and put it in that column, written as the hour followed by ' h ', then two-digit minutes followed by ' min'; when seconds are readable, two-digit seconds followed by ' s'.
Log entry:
12 h 02 min 09 s
